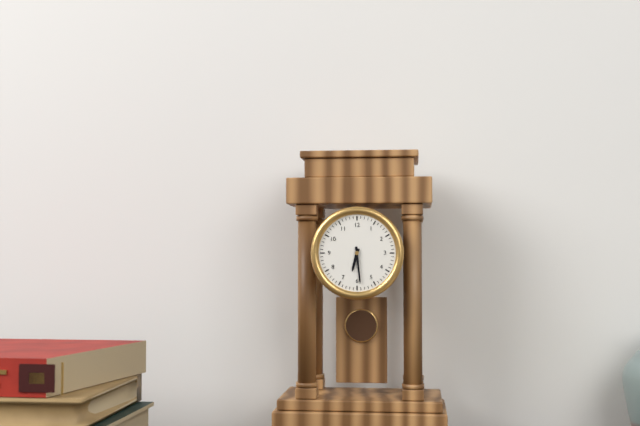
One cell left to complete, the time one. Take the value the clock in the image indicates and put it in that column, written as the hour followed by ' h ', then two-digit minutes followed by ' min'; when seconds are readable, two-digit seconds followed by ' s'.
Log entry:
6 h 29 min
